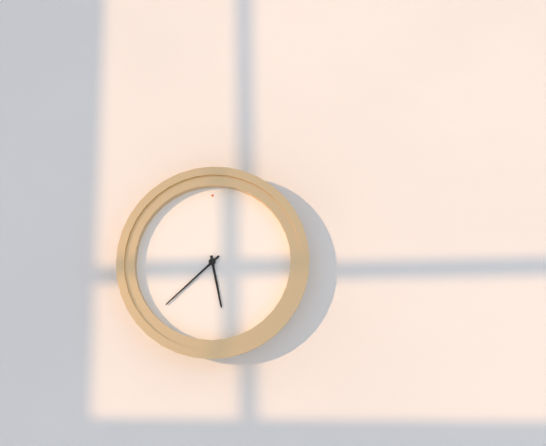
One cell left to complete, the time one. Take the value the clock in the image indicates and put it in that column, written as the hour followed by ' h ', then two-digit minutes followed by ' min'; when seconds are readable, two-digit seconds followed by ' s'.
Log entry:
5 h 38 min
